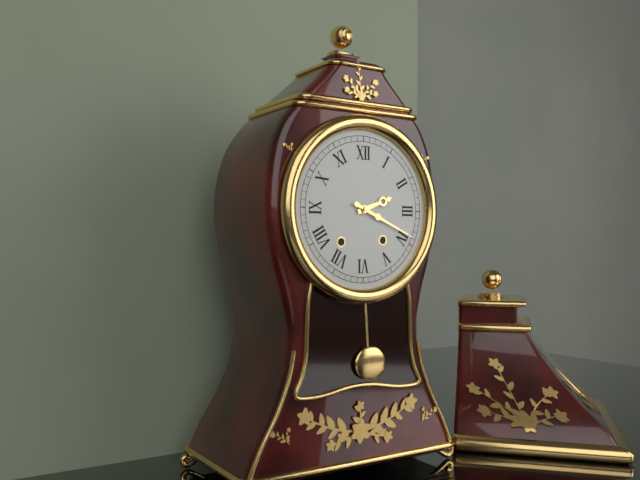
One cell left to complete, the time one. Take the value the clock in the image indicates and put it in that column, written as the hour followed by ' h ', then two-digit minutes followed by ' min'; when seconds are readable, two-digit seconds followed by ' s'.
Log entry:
2 h 19 min
